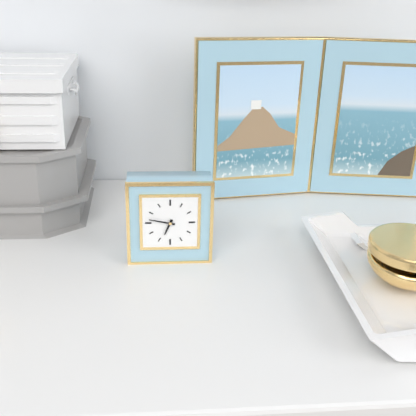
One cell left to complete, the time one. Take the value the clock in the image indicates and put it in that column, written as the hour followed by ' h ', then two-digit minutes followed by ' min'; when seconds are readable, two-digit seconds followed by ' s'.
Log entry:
6 h 47 min
